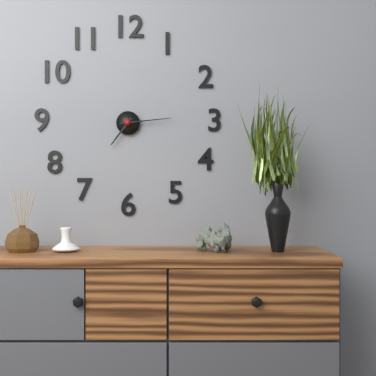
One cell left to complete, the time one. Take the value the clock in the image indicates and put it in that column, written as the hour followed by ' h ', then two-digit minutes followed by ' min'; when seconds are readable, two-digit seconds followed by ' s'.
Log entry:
7 h 14 min
